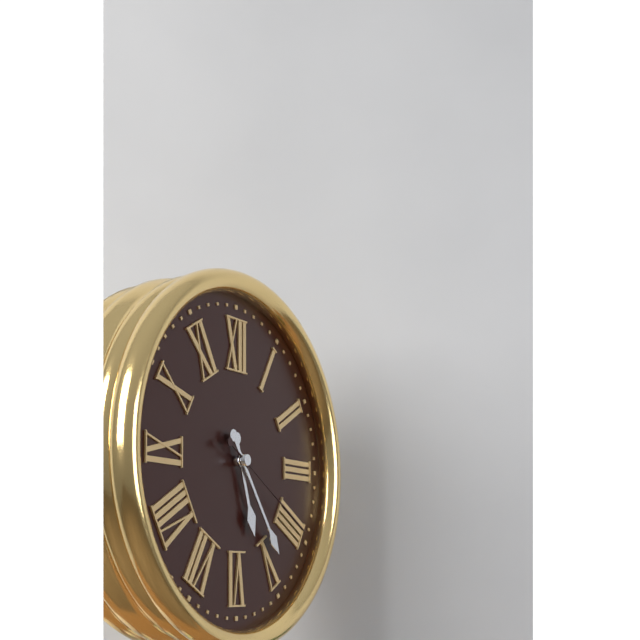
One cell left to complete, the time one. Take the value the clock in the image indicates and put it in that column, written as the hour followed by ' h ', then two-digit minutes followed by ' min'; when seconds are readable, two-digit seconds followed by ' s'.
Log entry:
5 h 24 min 20 s
